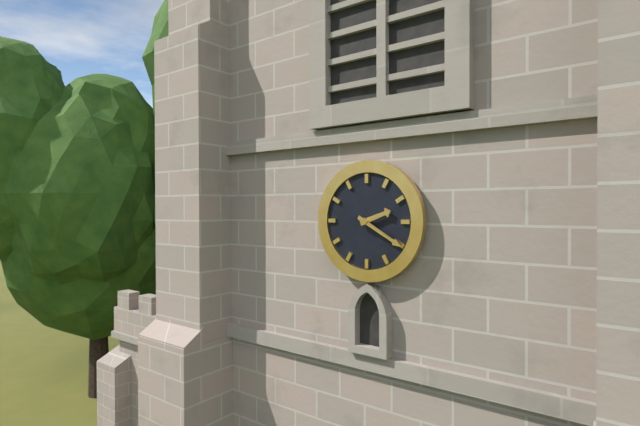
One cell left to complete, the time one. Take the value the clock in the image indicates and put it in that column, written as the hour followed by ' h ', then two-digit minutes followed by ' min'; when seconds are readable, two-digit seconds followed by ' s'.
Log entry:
2 h 20 min
